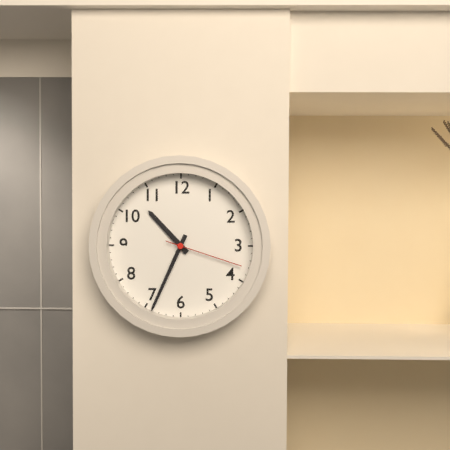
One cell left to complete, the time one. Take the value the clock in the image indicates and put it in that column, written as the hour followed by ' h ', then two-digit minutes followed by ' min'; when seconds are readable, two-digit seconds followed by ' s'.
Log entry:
10 h 34 min 18 s
